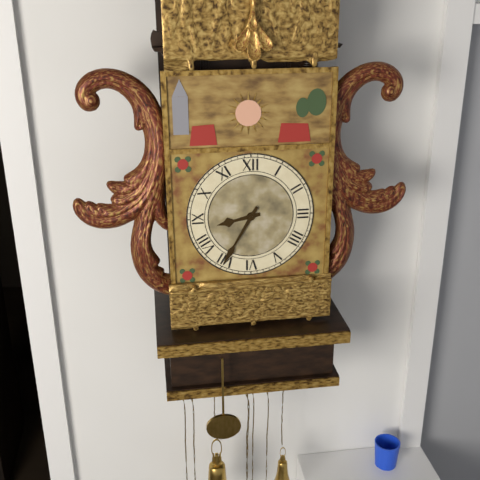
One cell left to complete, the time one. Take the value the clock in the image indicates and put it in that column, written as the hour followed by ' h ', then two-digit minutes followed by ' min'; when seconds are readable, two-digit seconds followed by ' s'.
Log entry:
8 h 35 min
